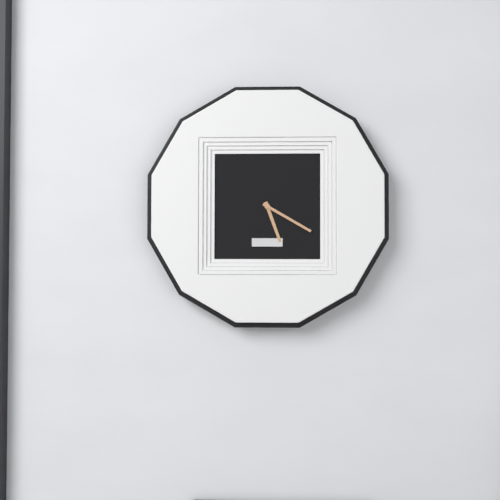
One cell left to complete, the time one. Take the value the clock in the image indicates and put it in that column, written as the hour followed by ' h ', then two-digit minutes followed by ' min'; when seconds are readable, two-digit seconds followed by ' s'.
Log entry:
5 h 20 min
